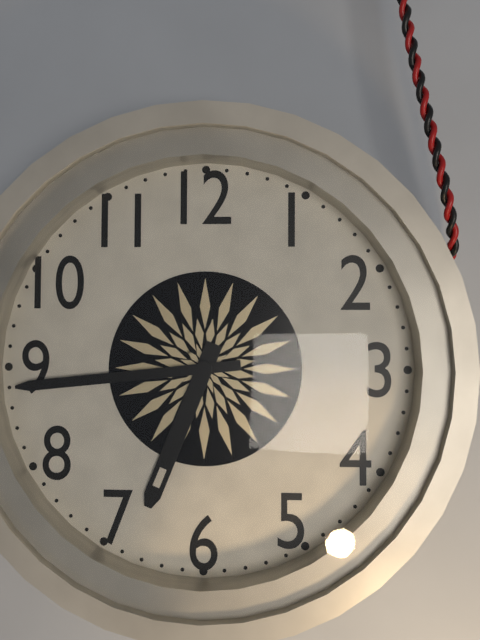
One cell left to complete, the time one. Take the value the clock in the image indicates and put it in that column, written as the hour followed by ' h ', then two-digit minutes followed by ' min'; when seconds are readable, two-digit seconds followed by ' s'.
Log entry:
6 h 44 min
